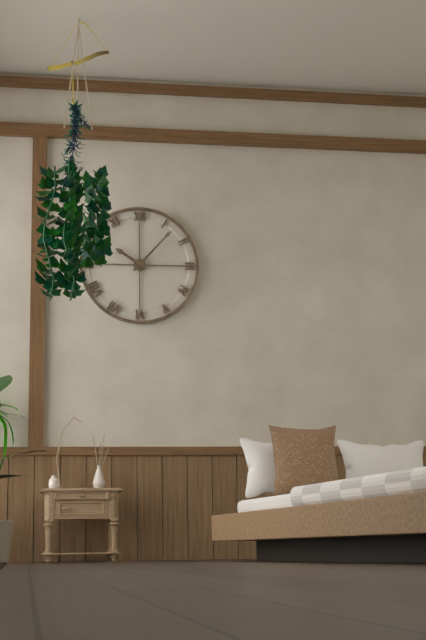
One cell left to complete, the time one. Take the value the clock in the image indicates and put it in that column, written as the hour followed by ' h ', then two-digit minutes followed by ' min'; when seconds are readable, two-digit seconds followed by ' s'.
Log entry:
10 h 07 min
